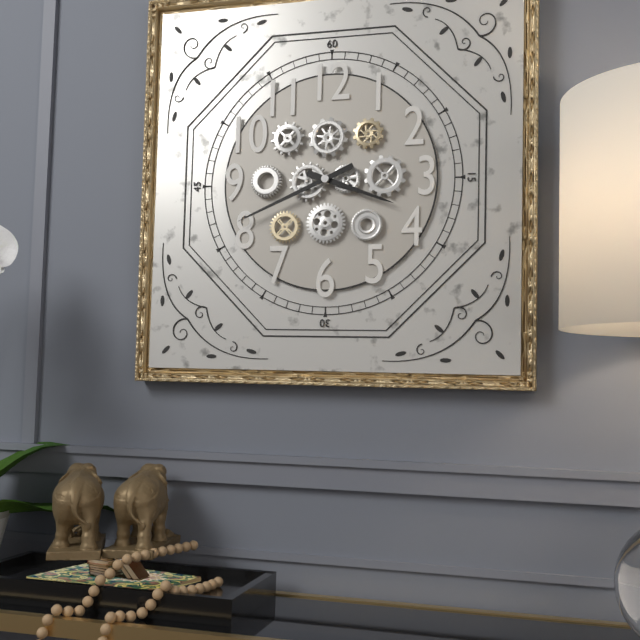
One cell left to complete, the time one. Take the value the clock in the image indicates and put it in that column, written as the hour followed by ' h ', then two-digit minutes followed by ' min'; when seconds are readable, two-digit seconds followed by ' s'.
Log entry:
3 h 41 min
